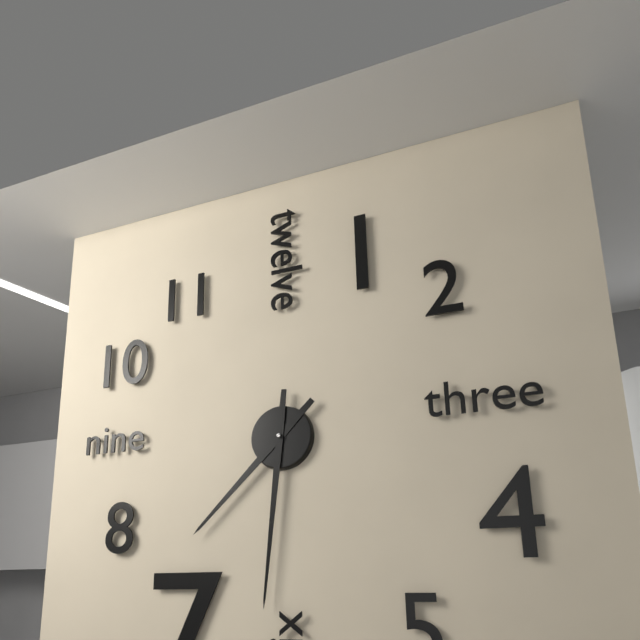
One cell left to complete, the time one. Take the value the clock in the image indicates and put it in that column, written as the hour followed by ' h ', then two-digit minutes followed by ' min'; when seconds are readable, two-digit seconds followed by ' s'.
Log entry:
7 h 31 min
